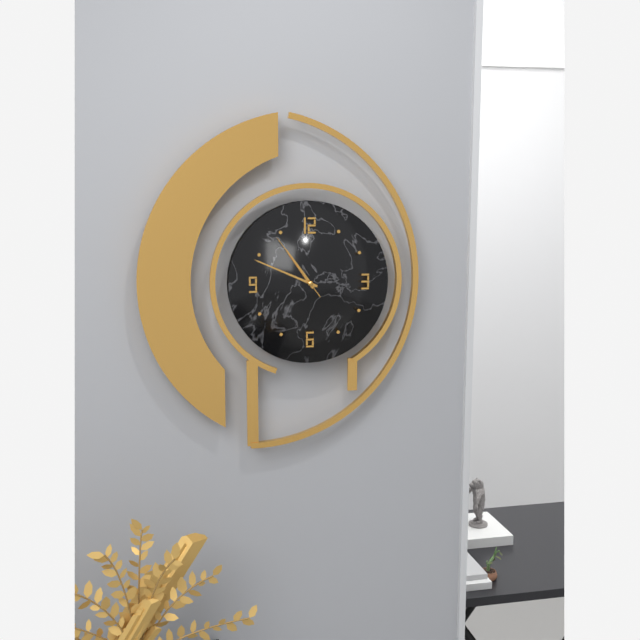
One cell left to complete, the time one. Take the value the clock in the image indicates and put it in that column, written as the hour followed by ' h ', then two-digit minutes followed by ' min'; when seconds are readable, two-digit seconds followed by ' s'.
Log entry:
10 h 49 min 54 s
